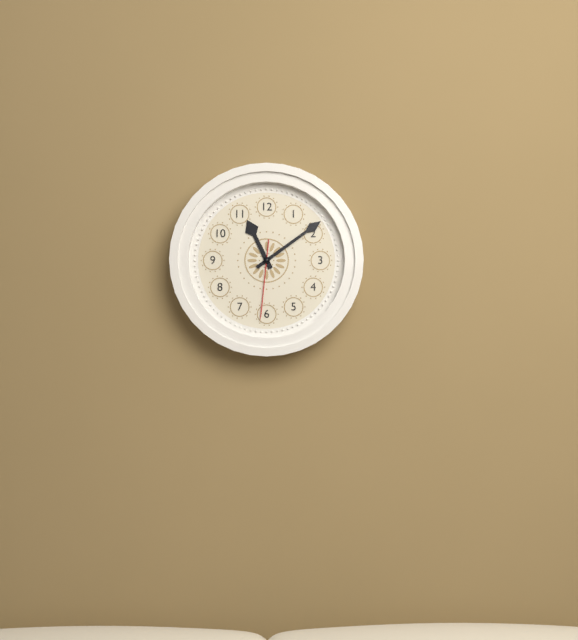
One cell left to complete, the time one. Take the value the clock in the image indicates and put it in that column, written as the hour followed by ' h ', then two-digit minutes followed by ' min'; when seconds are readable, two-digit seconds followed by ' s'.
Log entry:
11 h 09 min 31 s
